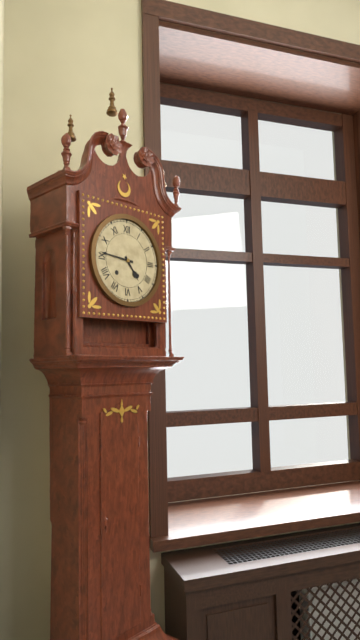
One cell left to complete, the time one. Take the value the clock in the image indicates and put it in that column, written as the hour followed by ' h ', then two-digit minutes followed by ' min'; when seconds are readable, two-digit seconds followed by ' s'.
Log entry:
4 h 46 min
